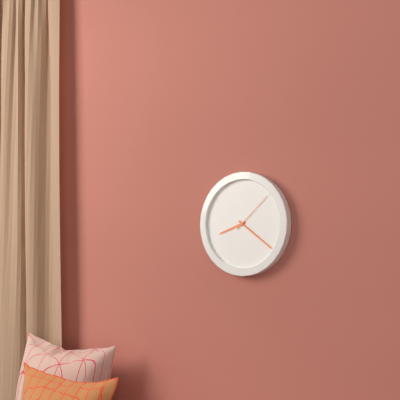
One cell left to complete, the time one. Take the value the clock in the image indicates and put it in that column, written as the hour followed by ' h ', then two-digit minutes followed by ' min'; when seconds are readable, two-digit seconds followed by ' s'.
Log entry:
8 h 21 min
